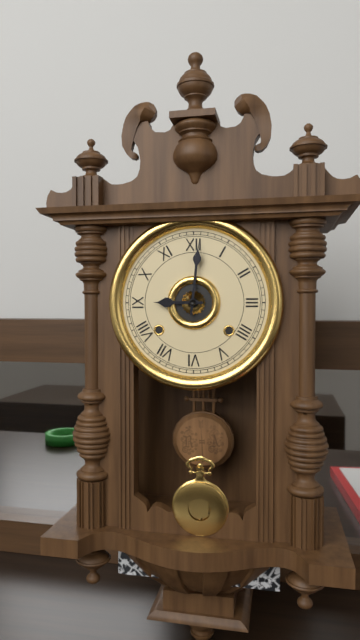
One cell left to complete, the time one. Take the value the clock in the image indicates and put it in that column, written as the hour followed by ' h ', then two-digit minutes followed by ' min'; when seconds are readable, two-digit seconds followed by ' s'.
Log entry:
9 h 01 min
